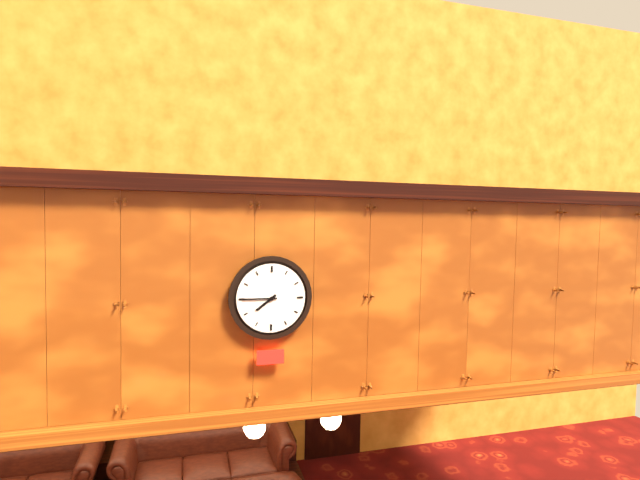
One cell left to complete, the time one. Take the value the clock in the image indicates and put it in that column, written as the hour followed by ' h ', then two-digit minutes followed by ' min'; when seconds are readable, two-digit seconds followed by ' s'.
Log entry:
7 h 45 min
